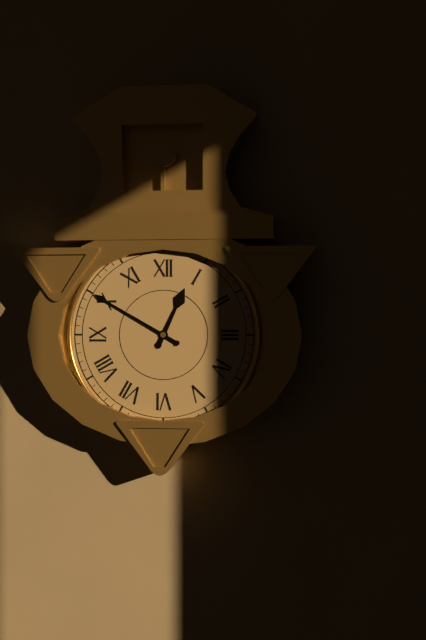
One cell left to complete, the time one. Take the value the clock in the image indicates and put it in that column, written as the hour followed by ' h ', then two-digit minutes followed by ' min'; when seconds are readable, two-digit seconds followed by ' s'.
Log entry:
12 h 50 min
